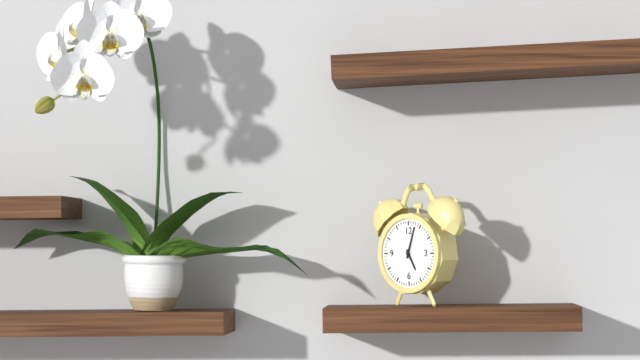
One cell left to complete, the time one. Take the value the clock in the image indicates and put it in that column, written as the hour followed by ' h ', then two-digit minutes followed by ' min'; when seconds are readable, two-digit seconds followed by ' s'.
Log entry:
5 h 03 min
